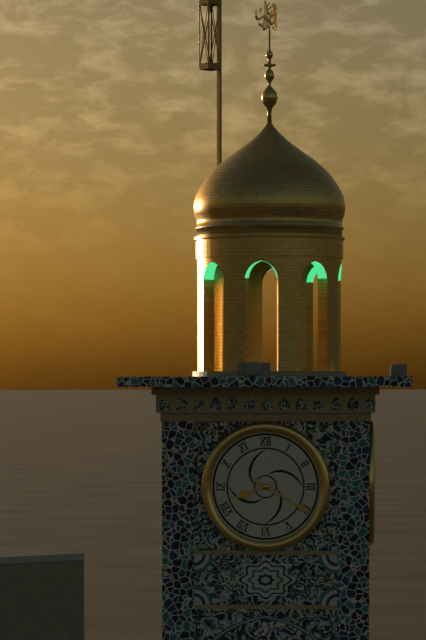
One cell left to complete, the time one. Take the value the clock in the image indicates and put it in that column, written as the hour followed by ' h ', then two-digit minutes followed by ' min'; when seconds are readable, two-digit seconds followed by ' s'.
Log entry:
8 h 20 min
